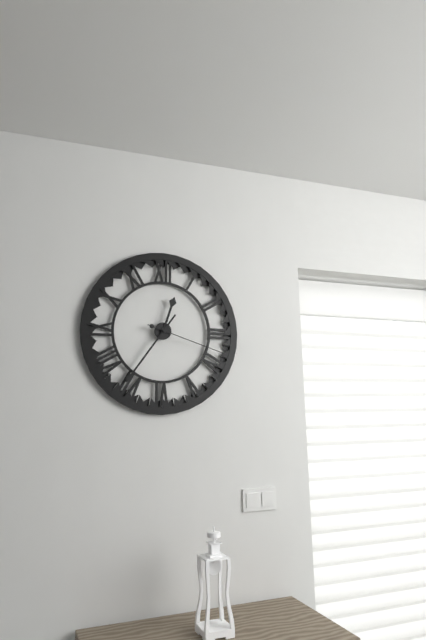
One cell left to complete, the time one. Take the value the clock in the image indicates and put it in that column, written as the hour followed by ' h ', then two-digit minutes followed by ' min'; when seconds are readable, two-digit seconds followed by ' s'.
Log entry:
12 h 36 min 18 s
